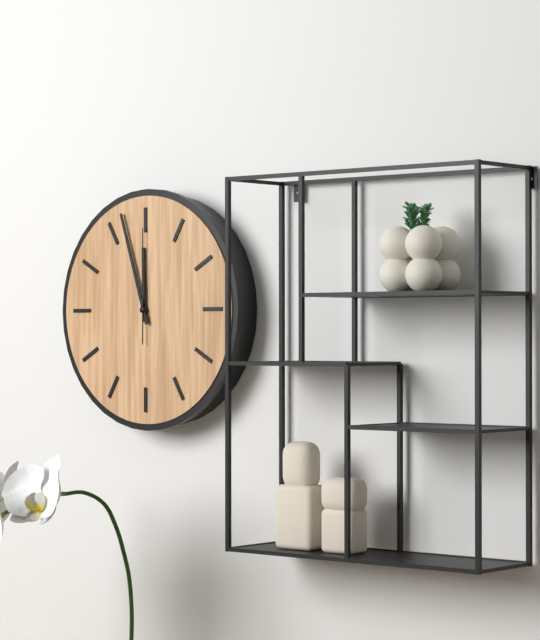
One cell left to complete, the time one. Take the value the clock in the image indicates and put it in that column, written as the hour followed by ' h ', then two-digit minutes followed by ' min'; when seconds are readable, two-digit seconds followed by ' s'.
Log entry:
11 h 57 min 00 s
